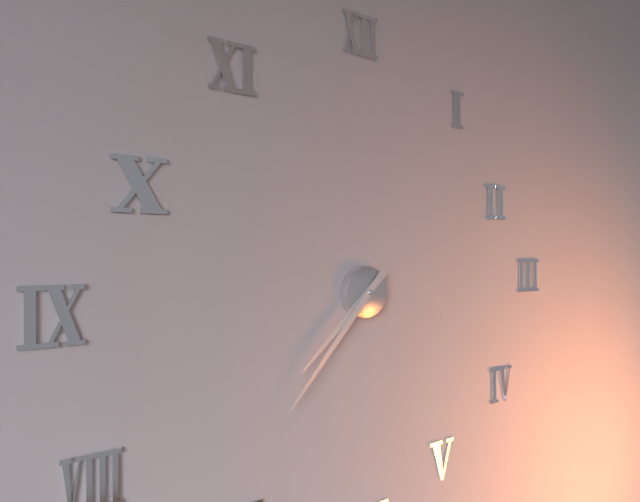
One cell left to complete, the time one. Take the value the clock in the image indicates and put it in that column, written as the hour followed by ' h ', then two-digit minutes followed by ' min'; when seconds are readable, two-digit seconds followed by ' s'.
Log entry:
7 h 37 min
